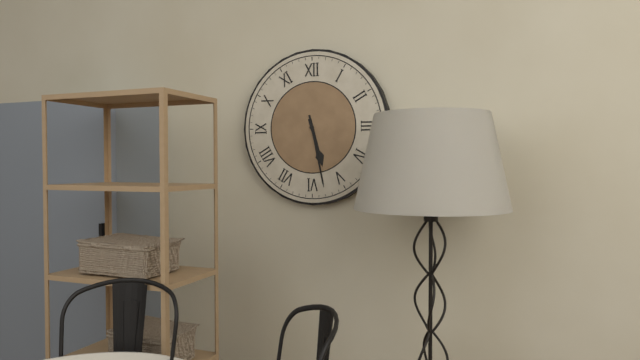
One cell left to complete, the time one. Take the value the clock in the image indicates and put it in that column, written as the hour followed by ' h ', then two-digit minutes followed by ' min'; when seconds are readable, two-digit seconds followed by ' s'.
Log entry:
5 h 28 min
